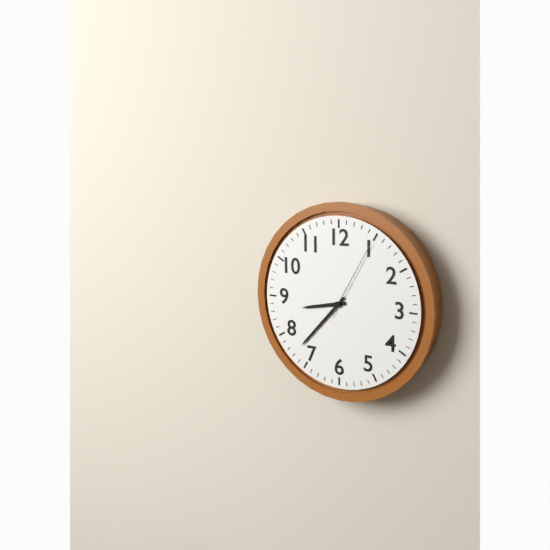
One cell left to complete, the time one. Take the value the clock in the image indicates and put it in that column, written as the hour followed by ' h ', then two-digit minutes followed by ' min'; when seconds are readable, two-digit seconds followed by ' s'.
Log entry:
8 h 37 min 05 s
